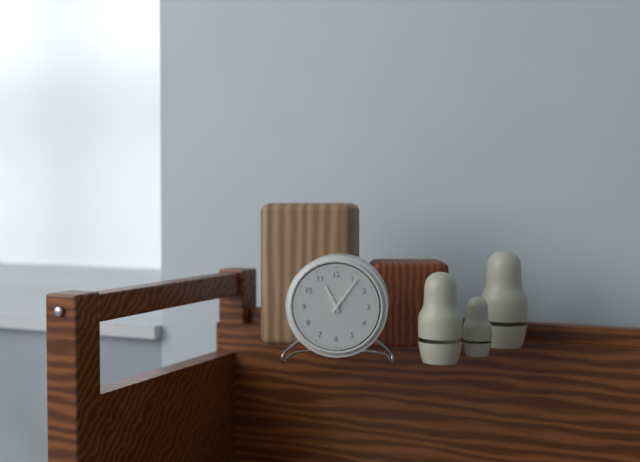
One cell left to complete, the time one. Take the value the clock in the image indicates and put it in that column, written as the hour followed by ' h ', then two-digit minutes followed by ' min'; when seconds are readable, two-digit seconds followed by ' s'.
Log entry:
11 h 06 min
